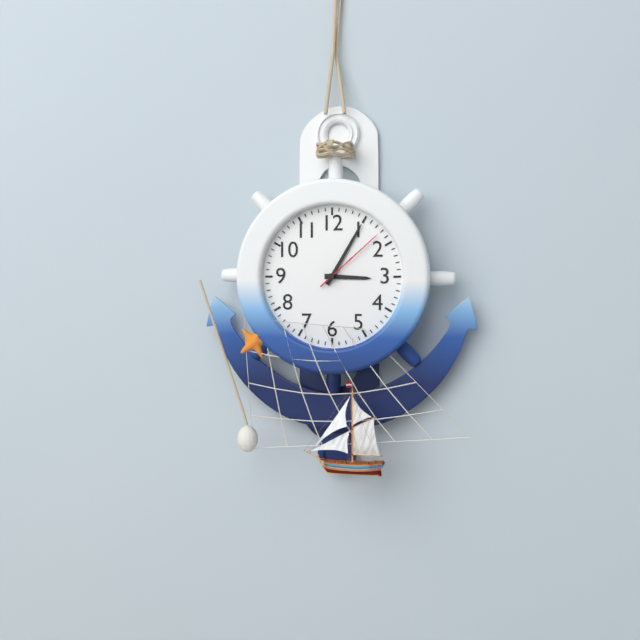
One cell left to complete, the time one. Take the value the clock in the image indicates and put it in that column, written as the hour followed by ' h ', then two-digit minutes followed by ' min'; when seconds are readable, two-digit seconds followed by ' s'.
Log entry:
3 h 05 min 08 s
